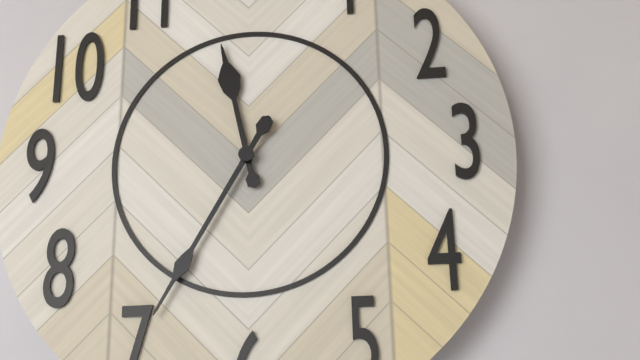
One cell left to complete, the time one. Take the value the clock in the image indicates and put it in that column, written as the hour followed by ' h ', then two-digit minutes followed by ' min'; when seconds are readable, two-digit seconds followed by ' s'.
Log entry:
11 h 35 min
